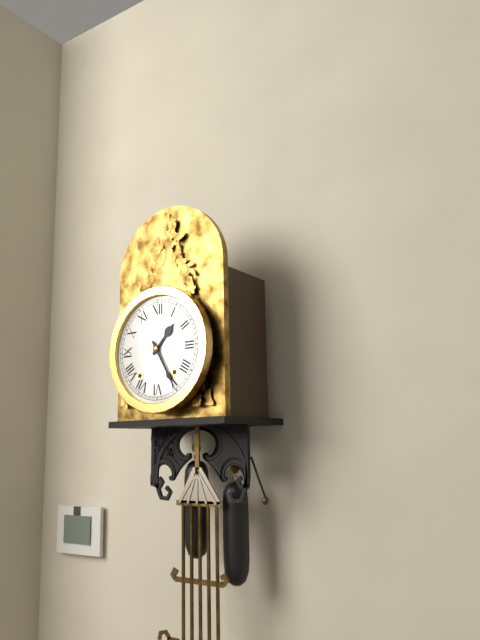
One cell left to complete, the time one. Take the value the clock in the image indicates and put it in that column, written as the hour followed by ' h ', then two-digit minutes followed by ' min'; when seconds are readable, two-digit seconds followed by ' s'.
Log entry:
1 h 25 min
